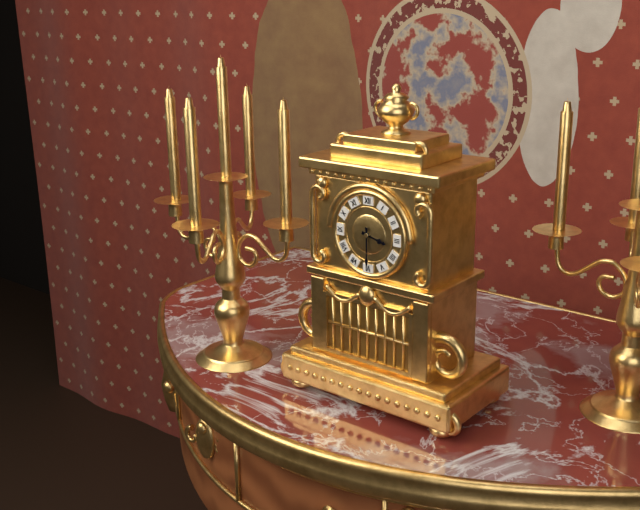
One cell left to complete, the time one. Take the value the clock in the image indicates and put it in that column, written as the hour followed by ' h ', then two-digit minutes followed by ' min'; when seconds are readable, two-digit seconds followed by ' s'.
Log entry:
3 h 30 min
